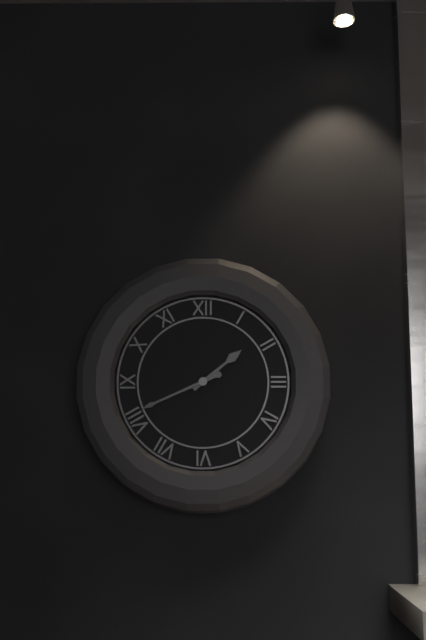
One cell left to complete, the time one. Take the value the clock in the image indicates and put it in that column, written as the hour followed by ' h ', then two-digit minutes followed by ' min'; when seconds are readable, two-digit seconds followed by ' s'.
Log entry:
1 h 41 min
